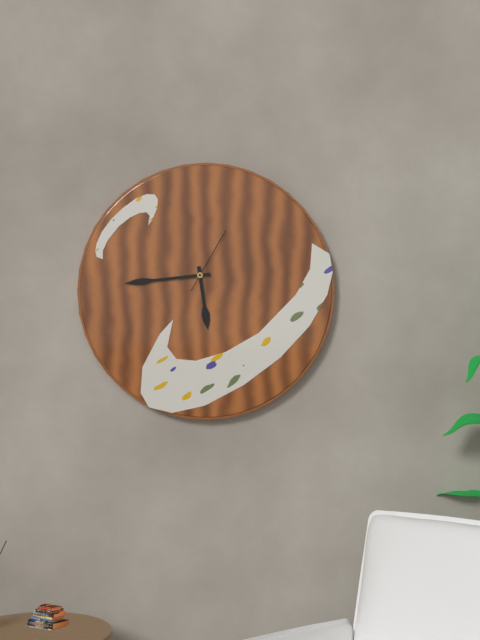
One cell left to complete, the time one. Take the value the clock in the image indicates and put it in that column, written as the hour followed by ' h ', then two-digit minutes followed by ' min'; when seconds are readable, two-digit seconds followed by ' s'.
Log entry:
5 h 44 min 05 s
